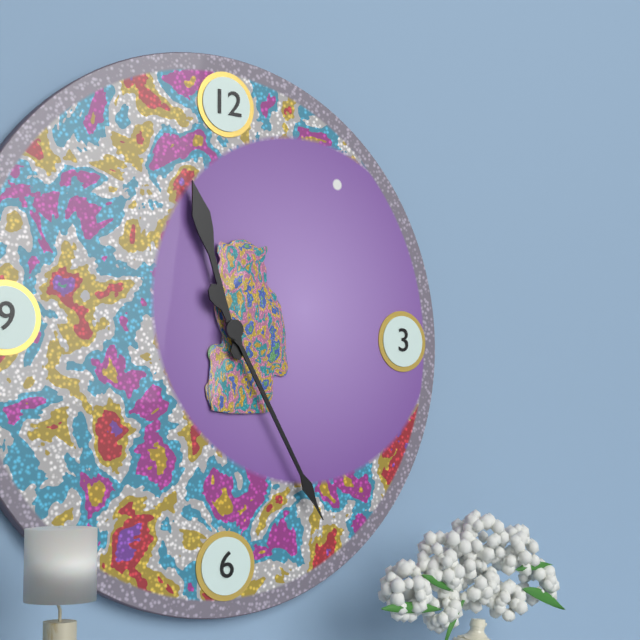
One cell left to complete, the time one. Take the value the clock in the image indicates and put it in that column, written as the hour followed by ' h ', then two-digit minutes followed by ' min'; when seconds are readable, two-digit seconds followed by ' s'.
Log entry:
11 h 25 min
